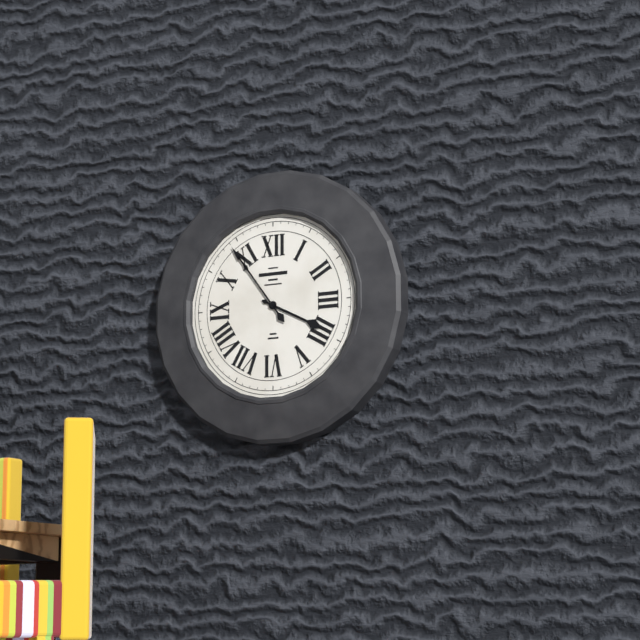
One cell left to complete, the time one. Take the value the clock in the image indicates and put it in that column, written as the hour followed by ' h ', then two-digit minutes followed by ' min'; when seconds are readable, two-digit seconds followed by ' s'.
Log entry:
3 h 54 min
